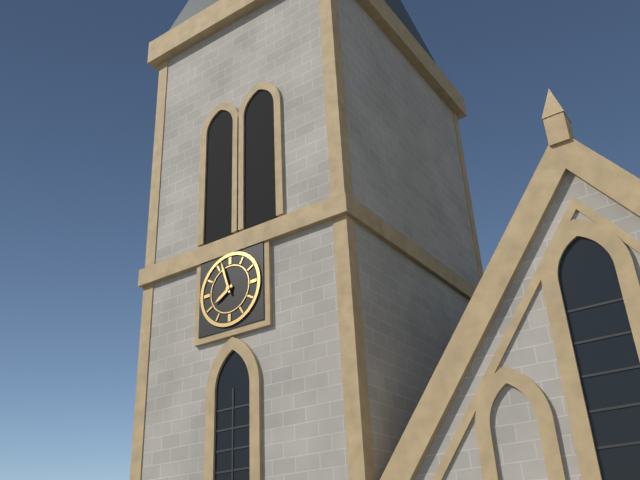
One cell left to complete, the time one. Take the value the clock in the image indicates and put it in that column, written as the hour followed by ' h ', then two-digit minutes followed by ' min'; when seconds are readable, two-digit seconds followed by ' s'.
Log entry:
7 h 57 min
